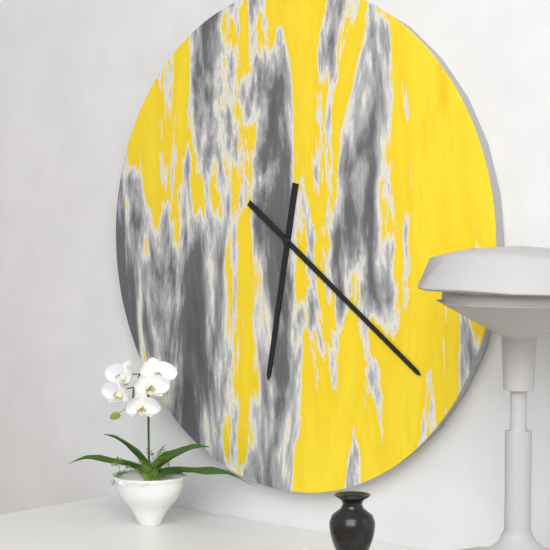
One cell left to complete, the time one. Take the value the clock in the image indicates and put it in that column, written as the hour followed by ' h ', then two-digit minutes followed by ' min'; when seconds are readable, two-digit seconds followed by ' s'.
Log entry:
6 h 21 min
